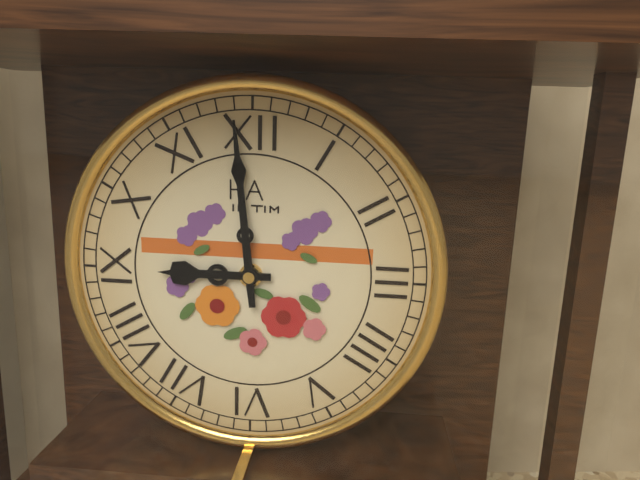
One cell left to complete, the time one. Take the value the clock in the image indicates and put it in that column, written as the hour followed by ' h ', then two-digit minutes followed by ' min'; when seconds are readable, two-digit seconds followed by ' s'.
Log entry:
8 h 59 min
